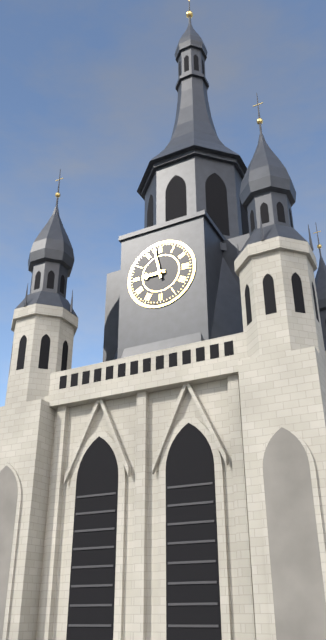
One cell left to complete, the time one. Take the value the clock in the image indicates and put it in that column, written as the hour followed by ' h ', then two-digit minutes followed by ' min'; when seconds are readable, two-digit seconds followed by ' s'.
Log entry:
8 h 58 min
